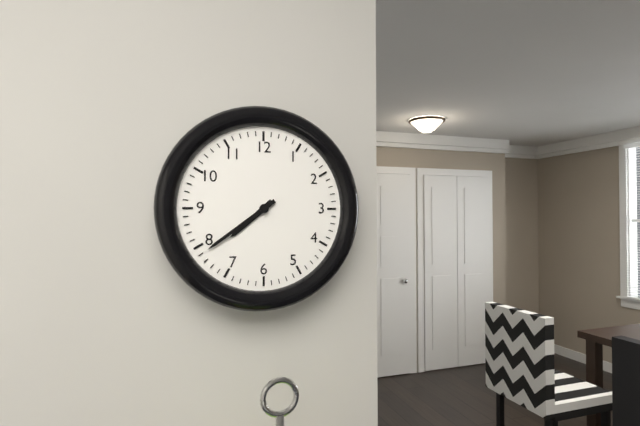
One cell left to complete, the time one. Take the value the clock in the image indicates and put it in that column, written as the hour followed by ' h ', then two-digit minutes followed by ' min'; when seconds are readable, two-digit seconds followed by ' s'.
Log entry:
7 h 39 min
